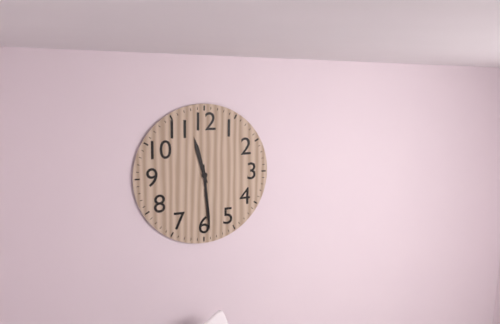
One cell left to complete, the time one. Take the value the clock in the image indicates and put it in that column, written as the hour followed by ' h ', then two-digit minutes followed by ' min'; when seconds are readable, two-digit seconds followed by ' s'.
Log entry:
11 h 29 min
